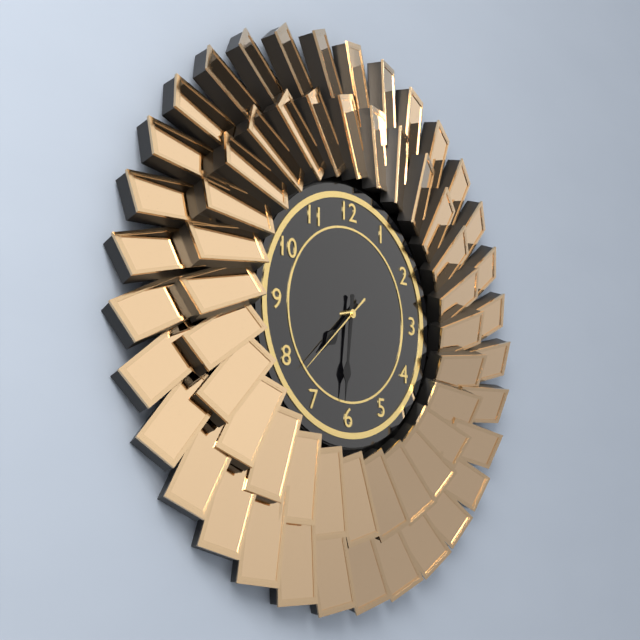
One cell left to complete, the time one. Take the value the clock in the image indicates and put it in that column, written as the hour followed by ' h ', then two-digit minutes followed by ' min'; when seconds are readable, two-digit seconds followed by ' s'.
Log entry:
7 h 31 min 38 s
